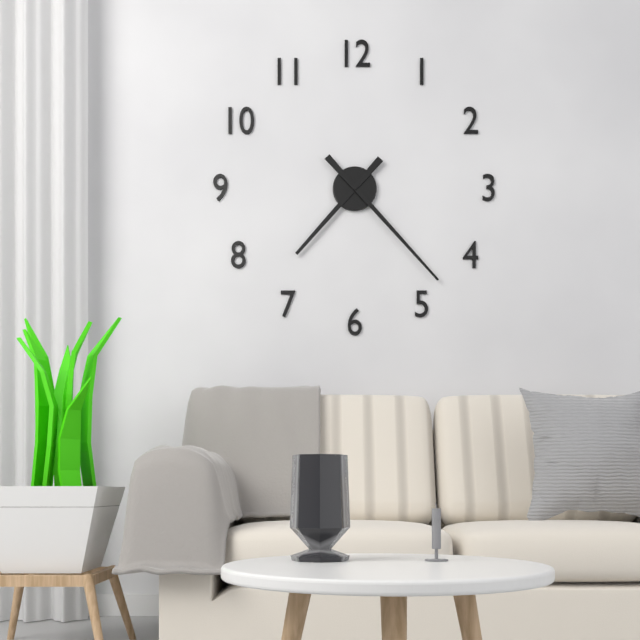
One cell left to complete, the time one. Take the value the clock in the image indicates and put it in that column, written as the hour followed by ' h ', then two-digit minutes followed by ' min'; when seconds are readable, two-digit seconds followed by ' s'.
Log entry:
7 h 23 min
